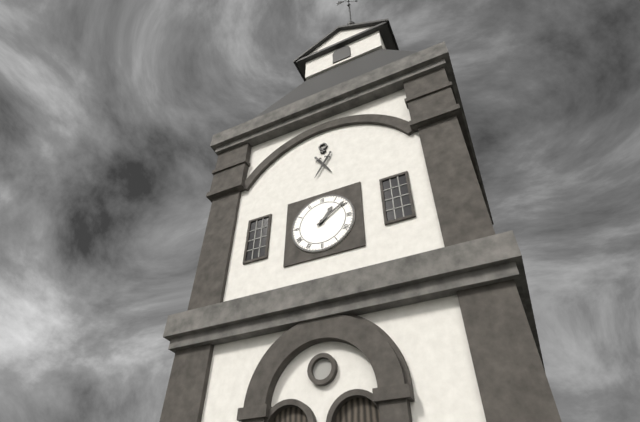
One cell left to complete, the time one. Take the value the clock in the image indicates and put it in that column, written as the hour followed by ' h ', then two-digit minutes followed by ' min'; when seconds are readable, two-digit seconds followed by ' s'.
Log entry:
1 h 09 min
